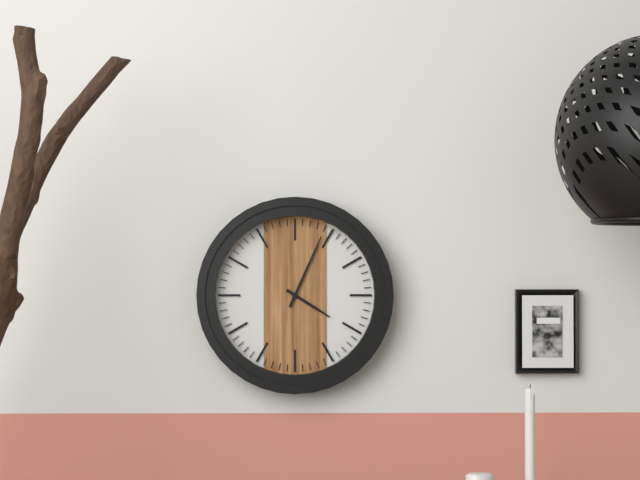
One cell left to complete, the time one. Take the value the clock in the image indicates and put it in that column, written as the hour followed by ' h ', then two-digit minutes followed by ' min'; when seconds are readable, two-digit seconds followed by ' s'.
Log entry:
4 h 04 min
